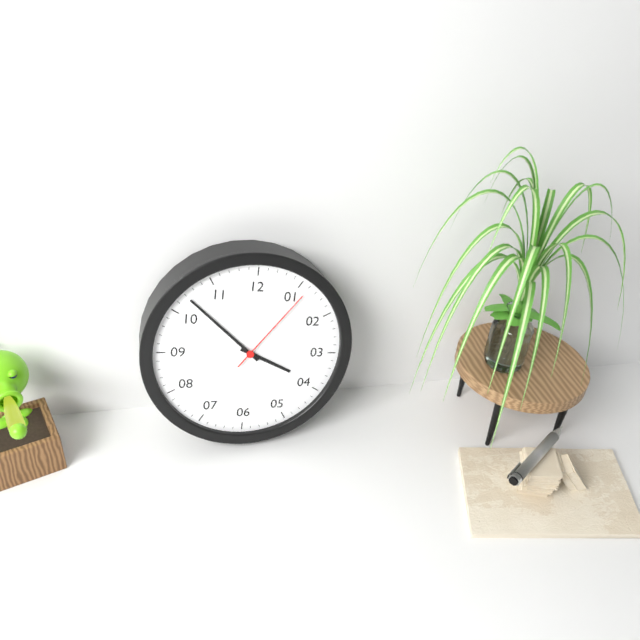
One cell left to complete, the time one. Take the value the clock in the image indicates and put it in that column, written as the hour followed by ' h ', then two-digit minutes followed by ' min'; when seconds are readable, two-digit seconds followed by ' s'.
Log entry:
3 h 52 min 06 s
